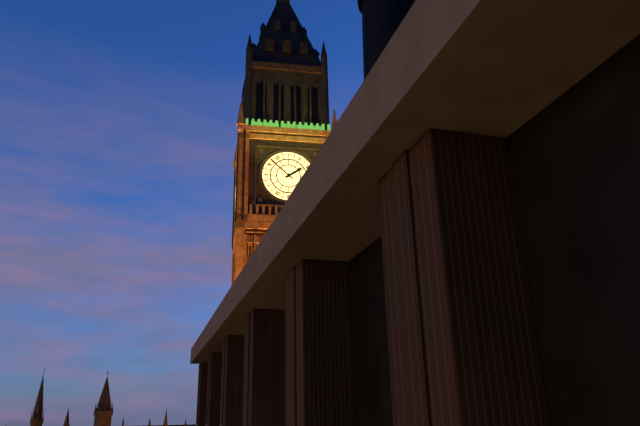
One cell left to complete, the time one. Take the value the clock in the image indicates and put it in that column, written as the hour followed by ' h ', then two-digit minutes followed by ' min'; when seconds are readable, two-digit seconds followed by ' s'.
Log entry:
1 h 52 min
